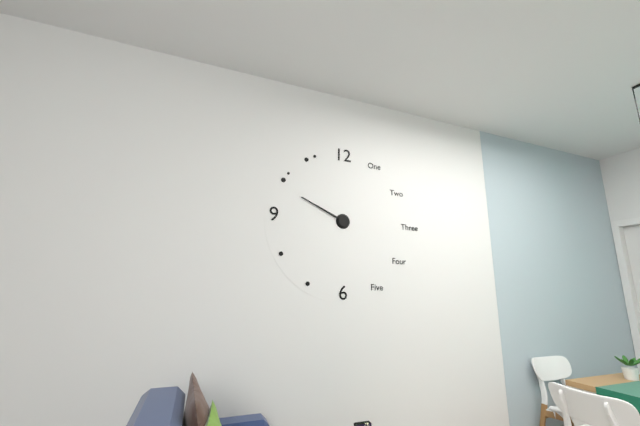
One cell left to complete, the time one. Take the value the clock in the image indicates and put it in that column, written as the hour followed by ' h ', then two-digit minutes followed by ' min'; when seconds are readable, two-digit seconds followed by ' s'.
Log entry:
9 h 49 min
